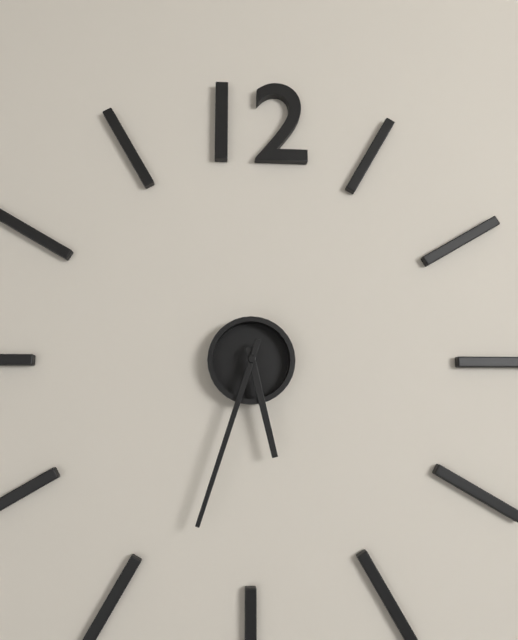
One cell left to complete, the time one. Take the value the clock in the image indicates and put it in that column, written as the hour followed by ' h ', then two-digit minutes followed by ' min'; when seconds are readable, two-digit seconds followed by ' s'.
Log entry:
5 h 33 min
